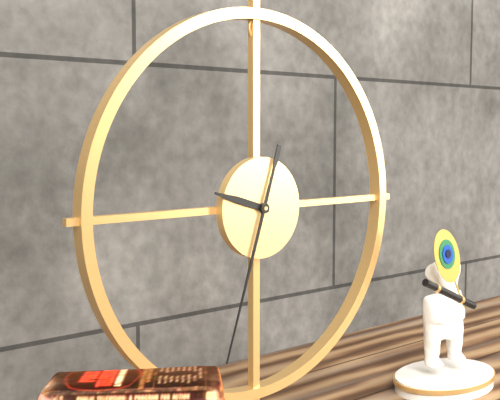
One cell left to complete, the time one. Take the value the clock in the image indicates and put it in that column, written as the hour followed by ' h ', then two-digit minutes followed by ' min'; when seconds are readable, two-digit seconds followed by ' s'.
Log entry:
9 h 33 min
